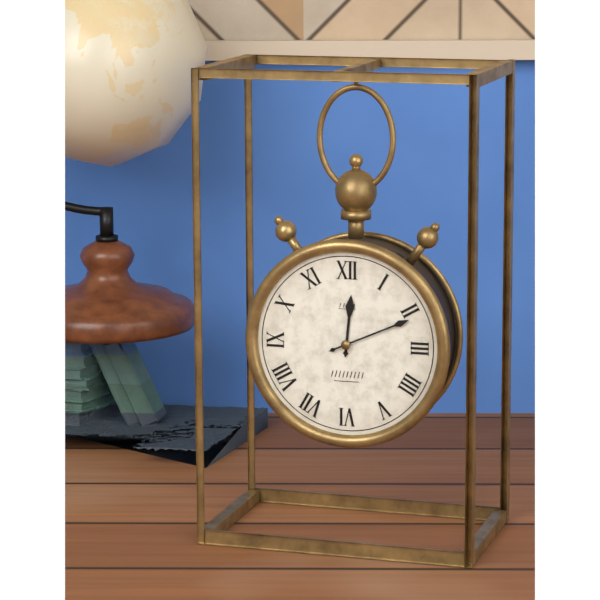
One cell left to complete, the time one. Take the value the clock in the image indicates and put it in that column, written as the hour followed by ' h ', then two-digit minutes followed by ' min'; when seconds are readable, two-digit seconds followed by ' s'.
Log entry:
12 h 11 min
